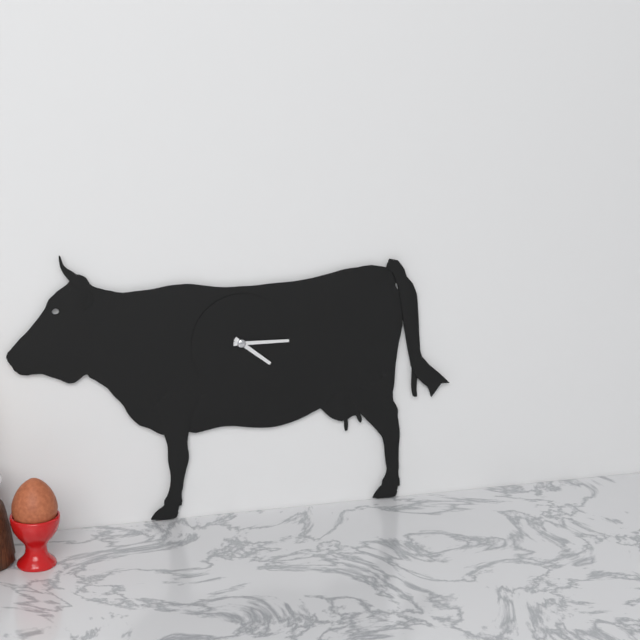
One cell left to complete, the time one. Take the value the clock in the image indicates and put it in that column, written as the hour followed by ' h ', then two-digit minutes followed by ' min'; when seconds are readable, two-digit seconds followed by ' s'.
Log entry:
4 h 15 min
